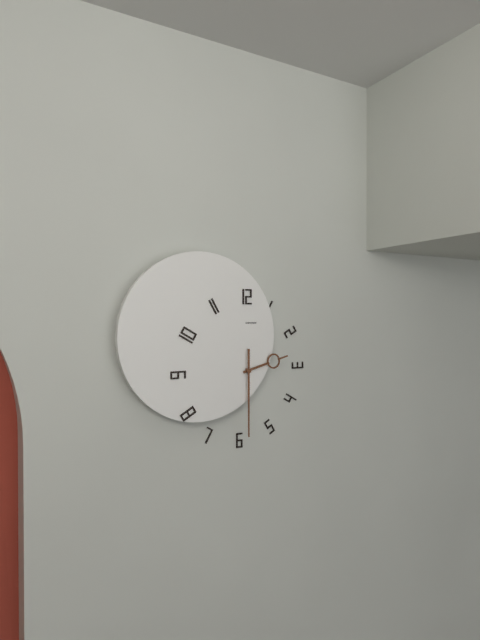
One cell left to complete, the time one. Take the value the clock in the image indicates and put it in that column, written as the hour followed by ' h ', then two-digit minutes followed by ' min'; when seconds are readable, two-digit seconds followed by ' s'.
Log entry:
2 h 30 min
